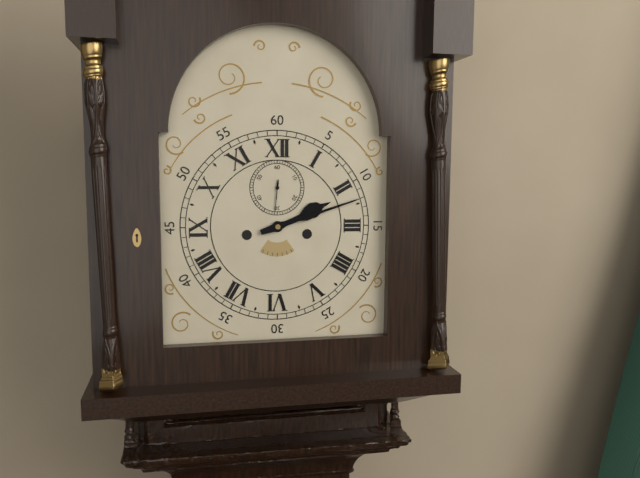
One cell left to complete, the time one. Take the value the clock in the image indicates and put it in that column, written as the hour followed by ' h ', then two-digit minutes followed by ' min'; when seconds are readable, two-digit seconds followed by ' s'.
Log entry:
2 h 12 min
